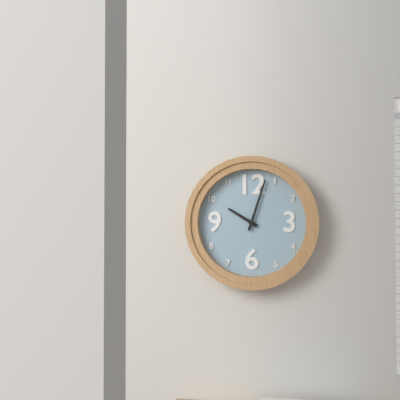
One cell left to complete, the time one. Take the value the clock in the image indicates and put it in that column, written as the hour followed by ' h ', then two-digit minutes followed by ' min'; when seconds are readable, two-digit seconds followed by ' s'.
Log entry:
10 h 03 min
